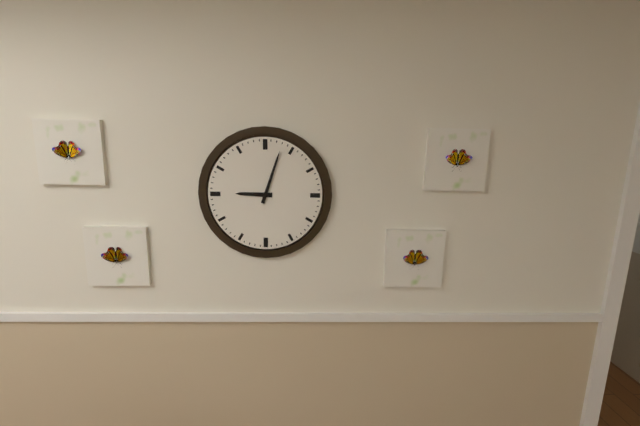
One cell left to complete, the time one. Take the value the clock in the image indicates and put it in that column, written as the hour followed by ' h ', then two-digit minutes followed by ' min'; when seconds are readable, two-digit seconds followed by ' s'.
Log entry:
9 h 03 min
